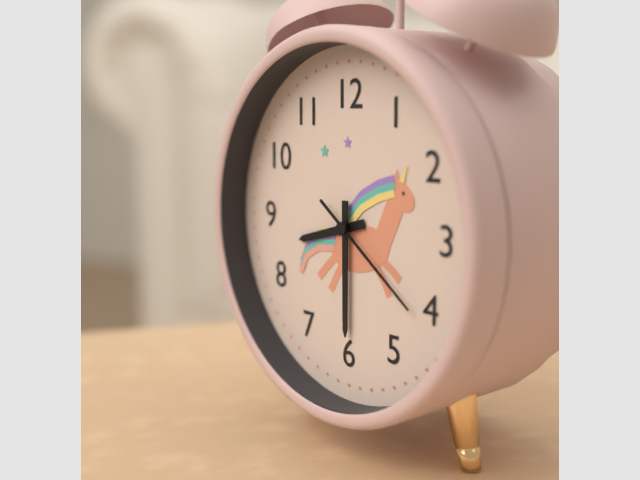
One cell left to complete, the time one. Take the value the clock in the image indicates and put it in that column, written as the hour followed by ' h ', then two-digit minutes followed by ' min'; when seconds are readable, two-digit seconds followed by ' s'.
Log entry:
8 h 30 min 21 s
